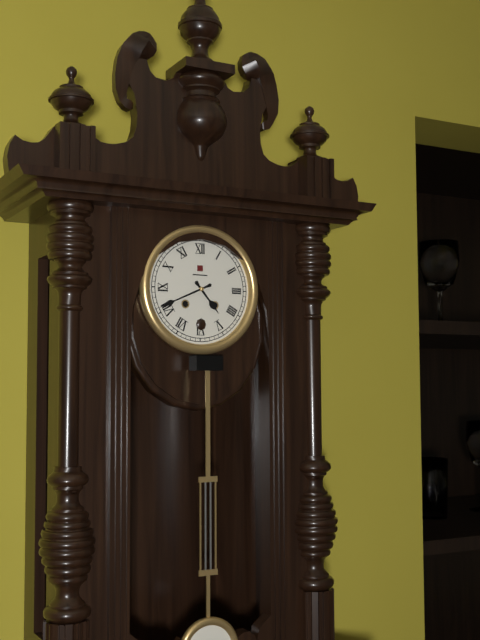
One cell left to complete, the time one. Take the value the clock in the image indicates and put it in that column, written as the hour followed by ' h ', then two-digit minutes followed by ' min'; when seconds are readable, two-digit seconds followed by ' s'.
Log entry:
4 h 41 min
